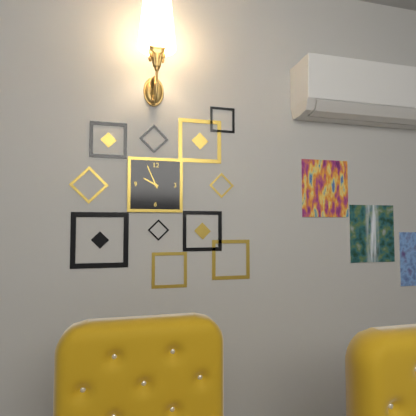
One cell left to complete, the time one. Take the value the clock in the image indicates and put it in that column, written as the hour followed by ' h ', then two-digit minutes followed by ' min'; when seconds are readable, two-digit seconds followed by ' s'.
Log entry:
9 h 56 min
